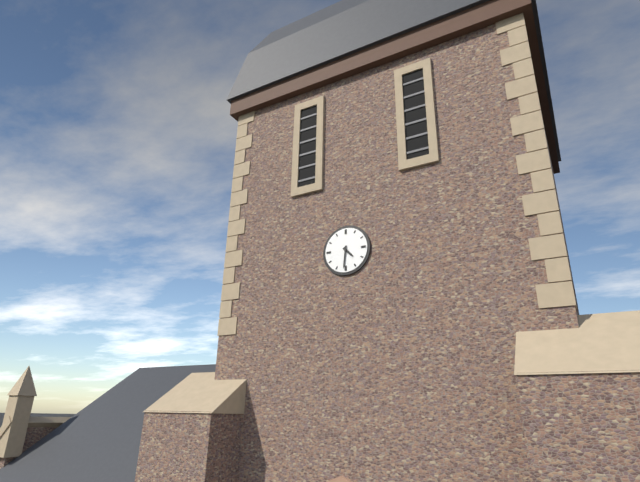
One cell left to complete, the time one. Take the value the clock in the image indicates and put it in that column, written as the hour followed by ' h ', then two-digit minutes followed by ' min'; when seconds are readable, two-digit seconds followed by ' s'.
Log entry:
4 h 31 min
